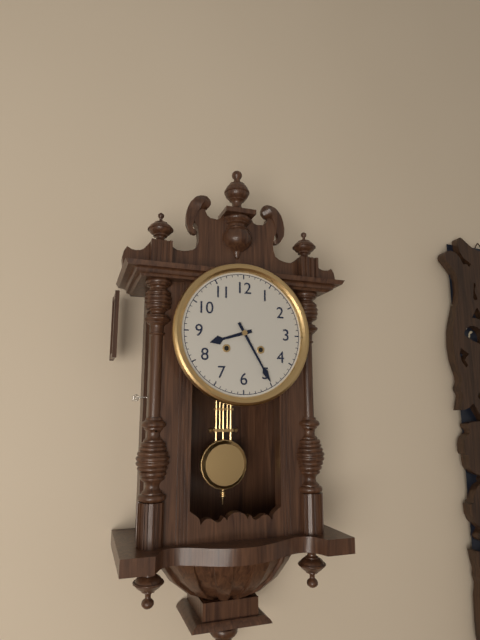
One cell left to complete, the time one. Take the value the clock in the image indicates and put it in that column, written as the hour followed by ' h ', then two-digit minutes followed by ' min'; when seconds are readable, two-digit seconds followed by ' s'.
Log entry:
8 h 25 min
